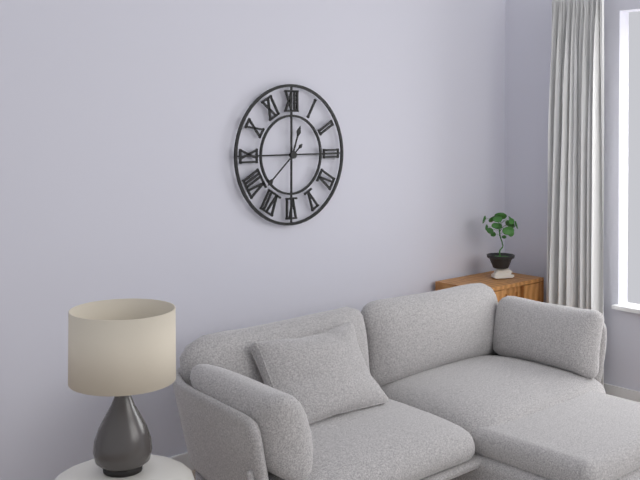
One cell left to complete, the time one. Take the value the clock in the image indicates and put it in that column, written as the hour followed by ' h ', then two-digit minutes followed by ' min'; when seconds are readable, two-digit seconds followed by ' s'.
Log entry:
12 h 38 min
